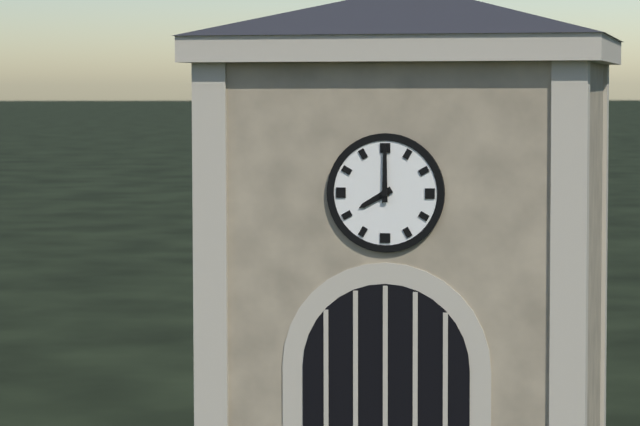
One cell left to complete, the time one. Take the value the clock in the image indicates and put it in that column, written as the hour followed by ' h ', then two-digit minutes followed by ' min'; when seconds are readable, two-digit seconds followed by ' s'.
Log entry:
8 h 00 min
